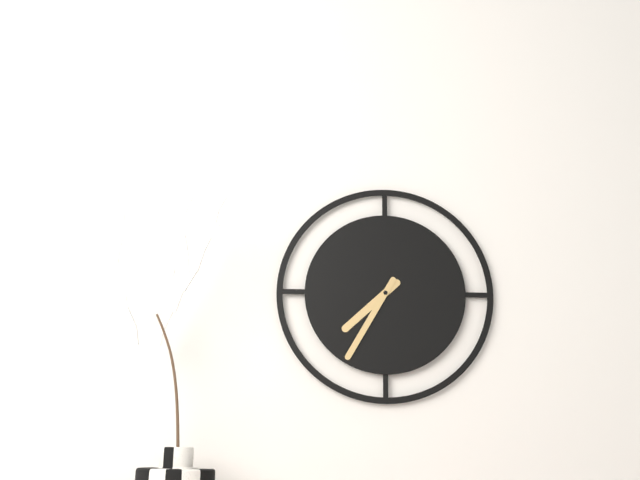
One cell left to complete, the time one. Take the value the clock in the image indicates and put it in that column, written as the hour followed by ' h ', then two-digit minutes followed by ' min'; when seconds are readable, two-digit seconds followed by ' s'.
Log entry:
7 h 35 min
